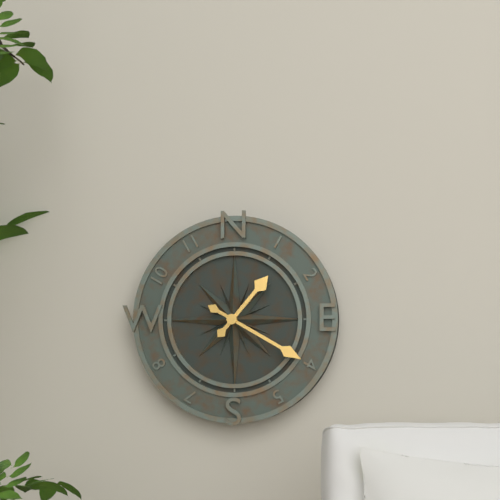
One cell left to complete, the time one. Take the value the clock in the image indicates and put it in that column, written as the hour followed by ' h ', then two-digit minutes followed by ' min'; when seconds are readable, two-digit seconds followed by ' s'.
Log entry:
1 h 20 min
